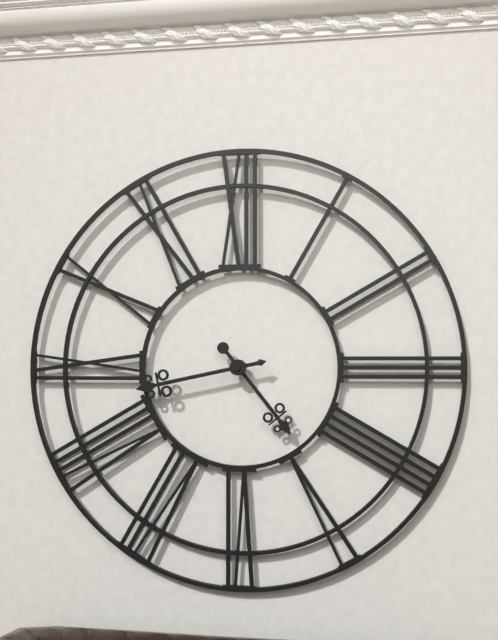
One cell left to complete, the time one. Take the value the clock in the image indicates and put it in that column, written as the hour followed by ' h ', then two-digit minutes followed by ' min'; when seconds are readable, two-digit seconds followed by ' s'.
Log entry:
4 h 43 min
